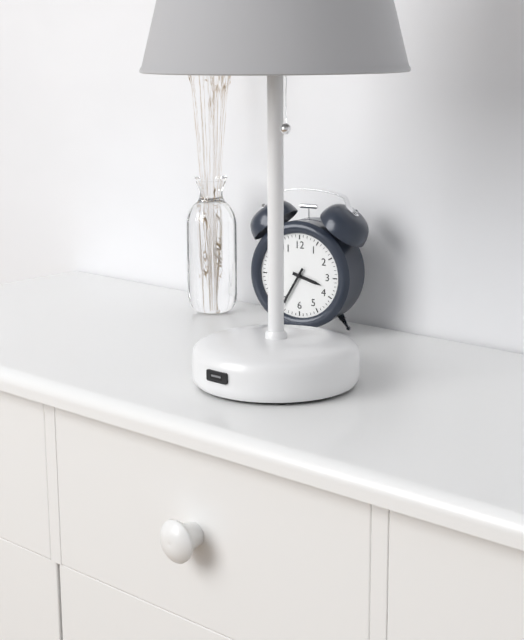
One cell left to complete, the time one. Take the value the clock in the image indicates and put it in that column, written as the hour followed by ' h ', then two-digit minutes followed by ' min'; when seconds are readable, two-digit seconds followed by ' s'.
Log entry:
3 h 35 min
